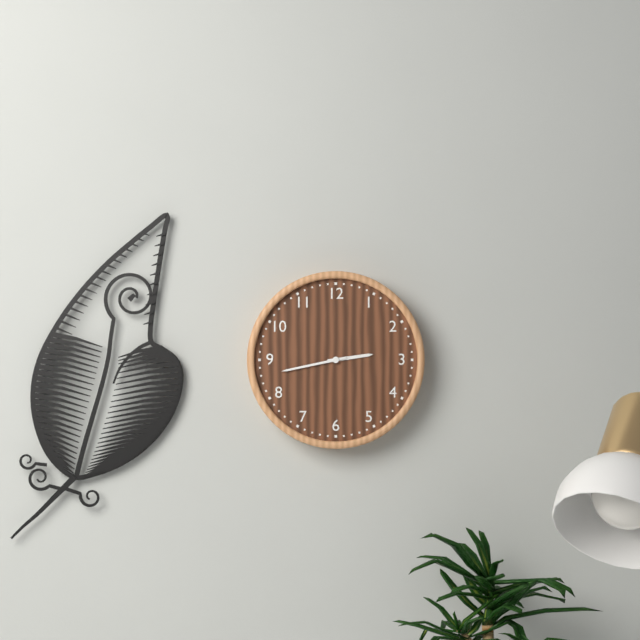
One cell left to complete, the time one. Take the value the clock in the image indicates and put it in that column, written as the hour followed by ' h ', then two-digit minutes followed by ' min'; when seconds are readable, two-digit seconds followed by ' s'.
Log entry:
2 h 43 min
